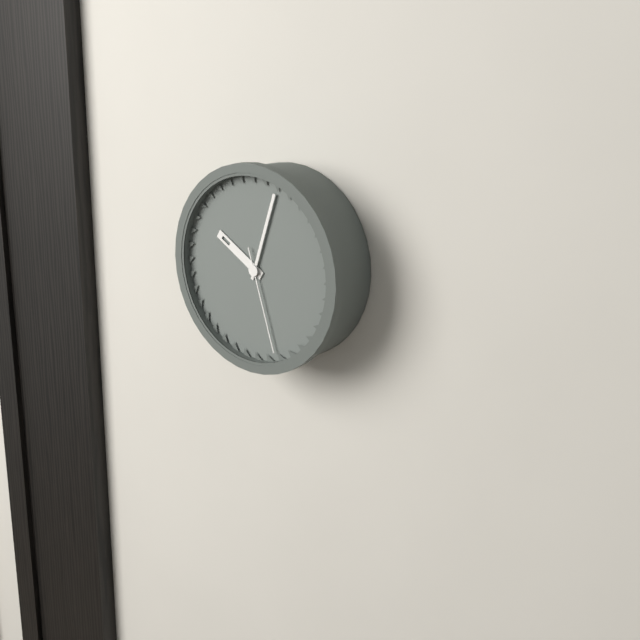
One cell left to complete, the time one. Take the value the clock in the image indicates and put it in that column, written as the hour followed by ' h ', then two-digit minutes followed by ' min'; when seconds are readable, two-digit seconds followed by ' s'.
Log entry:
10 h 03 min 27 s
